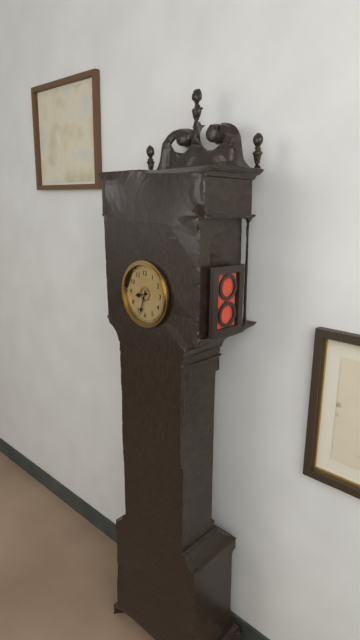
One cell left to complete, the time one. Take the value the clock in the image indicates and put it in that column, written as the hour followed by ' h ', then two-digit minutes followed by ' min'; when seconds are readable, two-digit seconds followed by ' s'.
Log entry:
8 h 33 min
